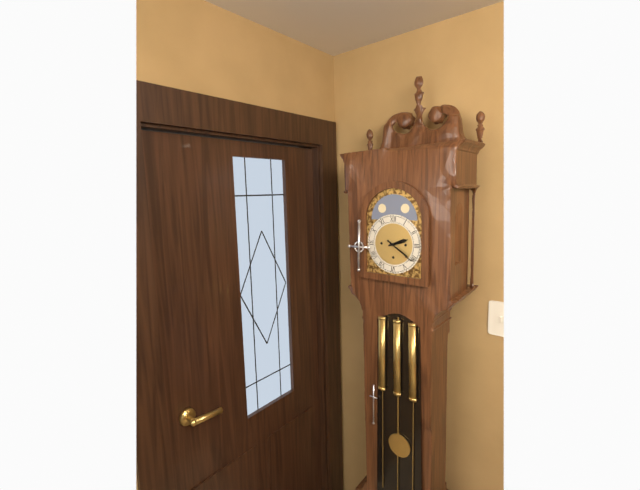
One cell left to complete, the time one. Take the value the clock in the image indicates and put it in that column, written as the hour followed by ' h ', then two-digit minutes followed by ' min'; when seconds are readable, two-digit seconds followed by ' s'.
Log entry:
2 h 21 min
